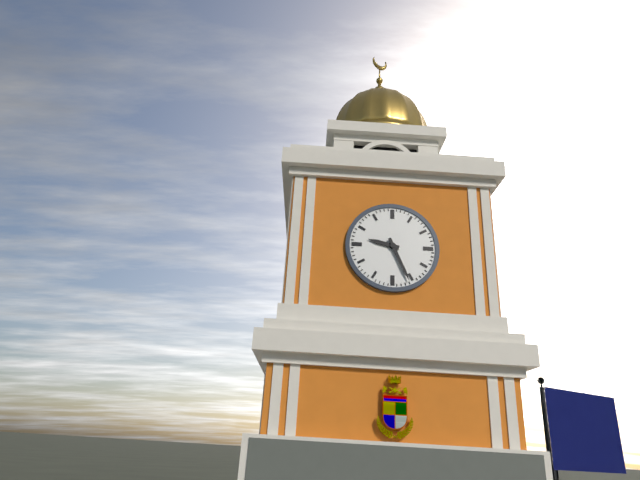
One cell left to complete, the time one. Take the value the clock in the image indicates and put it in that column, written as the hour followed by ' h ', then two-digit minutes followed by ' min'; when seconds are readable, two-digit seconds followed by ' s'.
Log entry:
9 h 26 min
